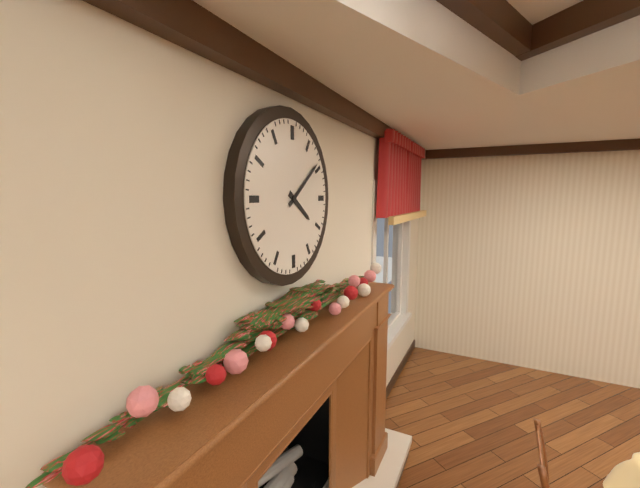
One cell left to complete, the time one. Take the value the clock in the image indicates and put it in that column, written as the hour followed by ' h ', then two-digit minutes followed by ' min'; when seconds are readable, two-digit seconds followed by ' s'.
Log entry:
4 h 09 min
